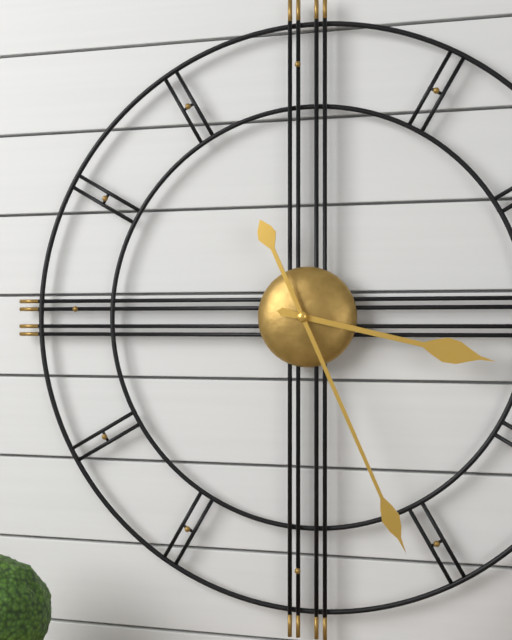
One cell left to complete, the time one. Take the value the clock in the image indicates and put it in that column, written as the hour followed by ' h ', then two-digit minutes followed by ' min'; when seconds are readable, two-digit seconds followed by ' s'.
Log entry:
3 h 26 min
